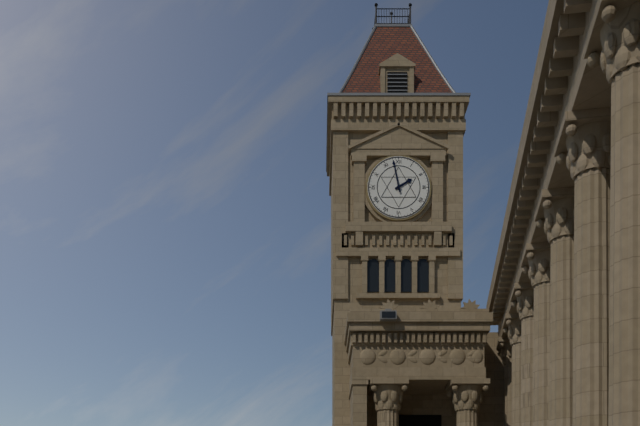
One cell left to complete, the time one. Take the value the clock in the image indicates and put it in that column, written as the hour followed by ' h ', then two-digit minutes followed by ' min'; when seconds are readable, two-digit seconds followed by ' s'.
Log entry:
1 h 58 min
